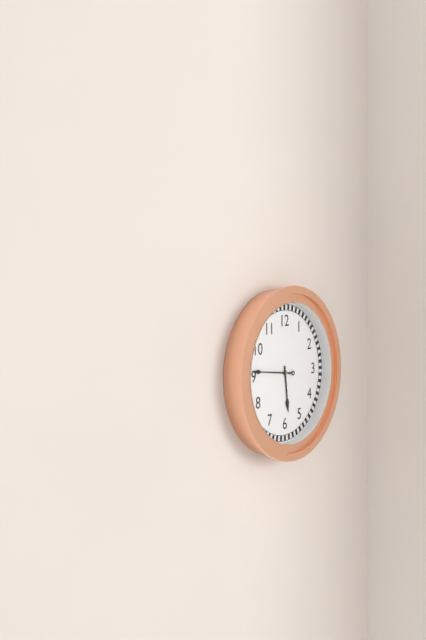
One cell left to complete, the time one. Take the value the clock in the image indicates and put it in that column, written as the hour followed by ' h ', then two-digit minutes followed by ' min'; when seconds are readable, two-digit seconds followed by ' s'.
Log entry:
5 h 46 min
